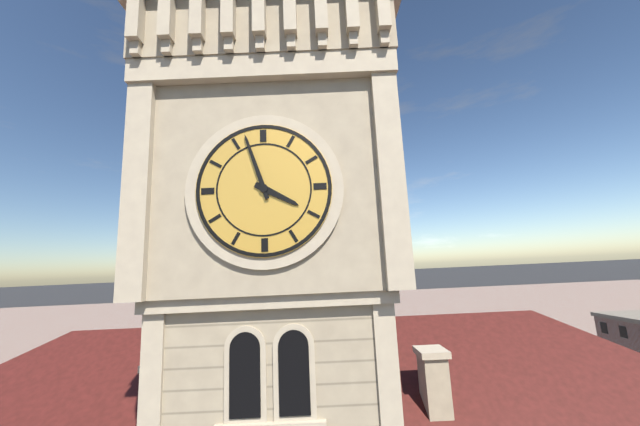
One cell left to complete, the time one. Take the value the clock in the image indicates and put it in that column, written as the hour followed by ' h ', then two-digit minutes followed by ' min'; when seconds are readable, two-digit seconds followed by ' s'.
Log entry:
3 h 57 min
